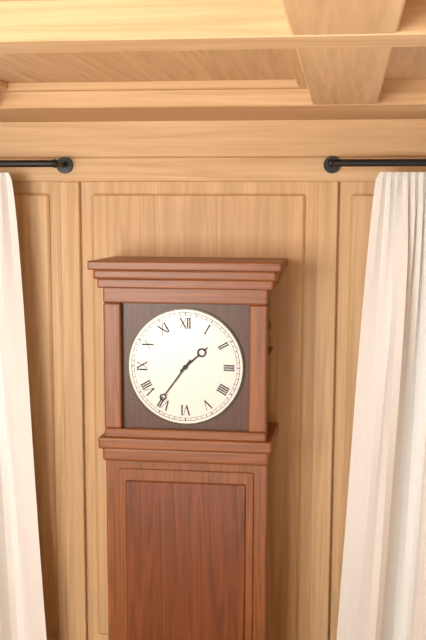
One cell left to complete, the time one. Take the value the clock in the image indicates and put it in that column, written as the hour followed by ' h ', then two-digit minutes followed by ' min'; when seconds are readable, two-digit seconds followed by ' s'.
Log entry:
1 h 36 min
